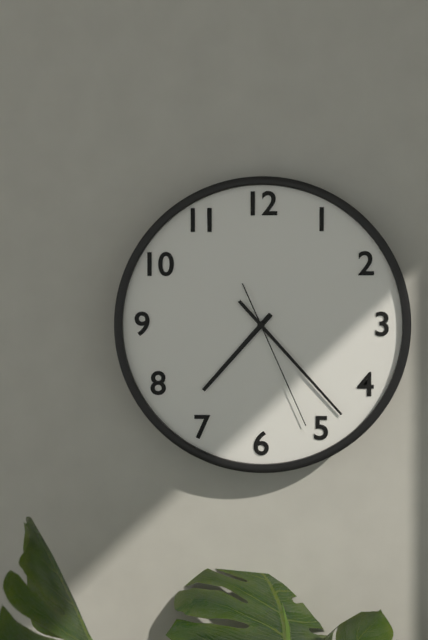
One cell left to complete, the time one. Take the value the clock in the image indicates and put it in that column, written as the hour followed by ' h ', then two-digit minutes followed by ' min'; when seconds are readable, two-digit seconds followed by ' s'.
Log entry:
7 h 23 min 26 s
